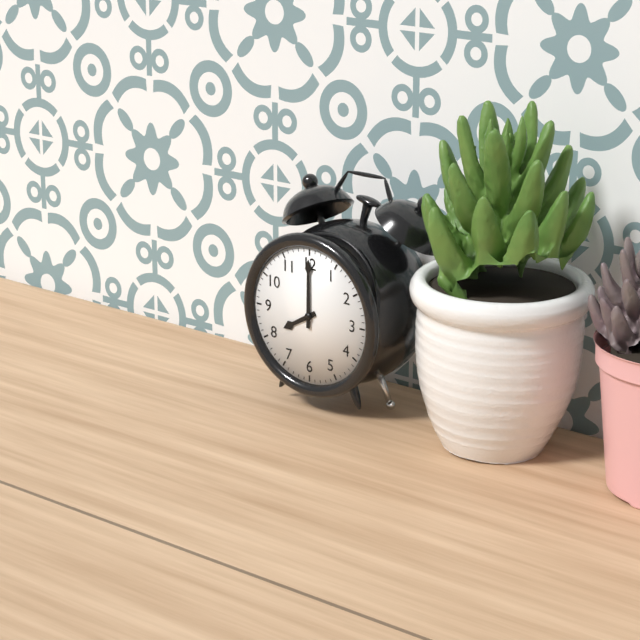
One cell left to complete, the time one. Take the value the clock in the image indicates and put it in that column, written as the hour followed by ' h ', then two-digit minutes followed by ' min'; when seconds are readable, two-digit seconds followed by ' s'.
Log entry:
8 h 00 min
